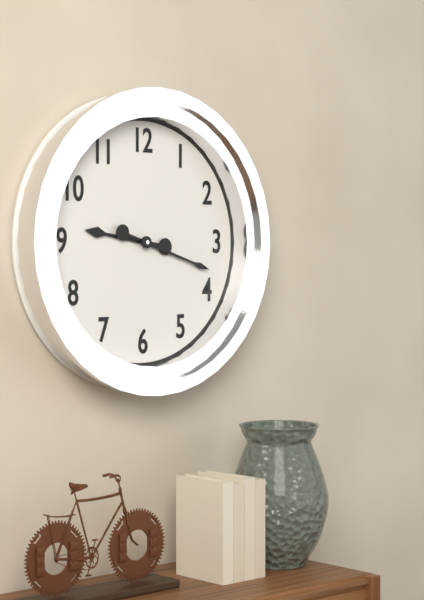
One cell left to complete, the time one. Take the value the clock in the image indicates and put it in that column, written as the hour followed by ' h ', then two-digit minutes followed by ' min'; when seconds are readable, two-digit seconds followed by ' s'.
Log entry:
9 h 18 min
